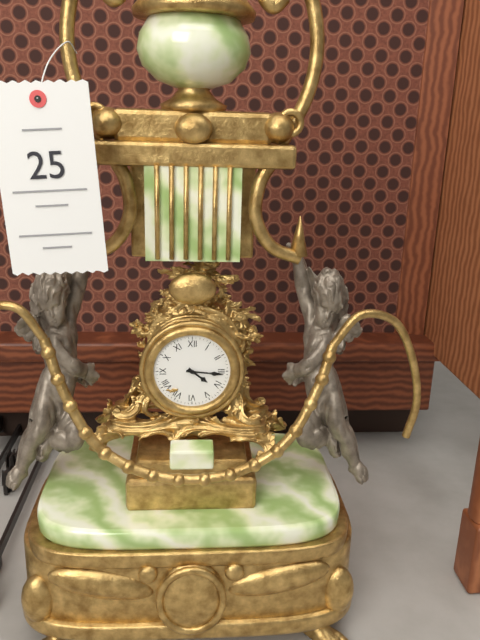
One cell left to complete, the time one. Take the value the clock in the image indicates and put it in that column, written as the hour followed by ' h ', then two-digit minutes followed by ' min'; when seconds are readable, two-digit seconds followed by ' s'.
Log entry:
4 h 16 min
